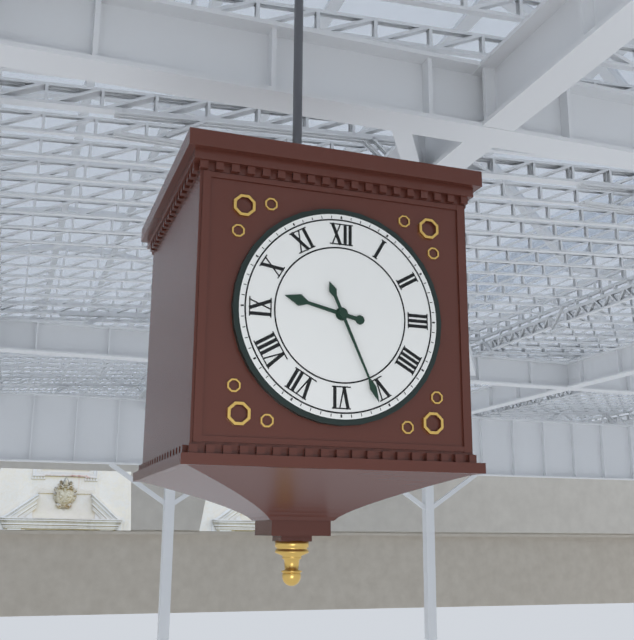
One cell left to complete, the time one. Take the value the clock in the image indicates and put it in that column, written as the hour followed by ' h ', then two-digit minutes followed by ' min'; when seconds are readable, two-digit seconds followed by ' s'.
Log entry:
9 h 26 min
